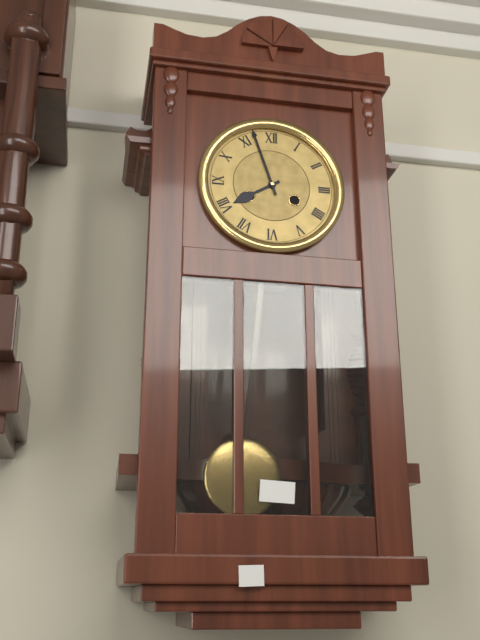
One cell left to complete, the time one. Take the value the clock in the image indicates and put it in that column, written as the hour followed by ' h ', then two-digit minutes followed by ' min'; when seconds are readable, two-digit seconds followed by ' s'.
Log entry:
7 h 57 min
